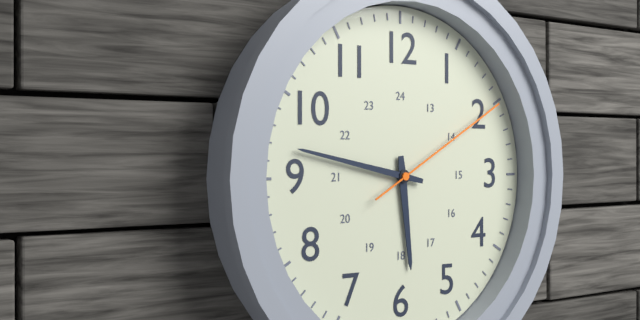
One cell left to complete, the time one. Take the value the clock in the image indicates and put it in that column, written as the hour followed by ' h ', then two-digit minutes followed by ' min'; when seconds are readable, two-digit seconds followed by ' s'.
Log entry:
5 h 47 min 10 s
